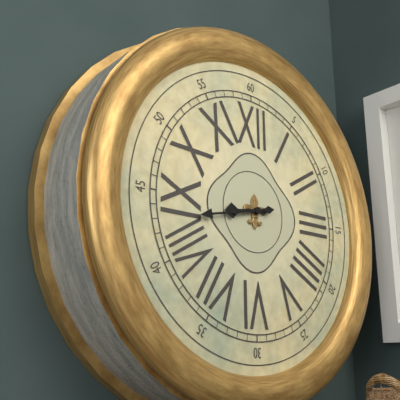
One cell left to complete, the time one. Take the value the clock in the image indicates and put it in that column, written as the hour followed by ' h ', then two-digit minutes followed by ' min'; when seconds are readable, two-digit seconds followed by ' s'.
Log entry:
8 h 43 min
